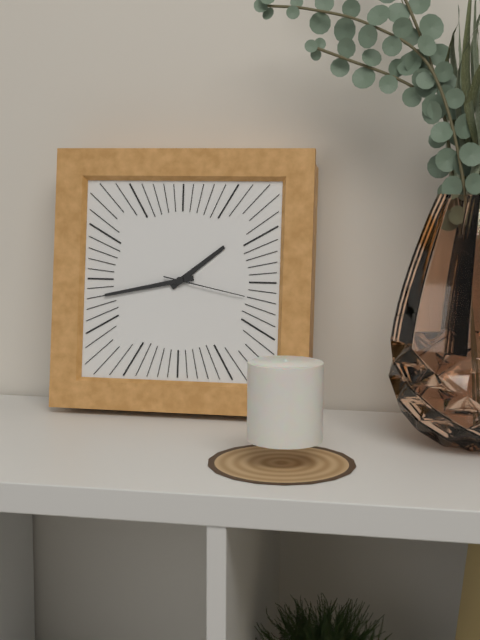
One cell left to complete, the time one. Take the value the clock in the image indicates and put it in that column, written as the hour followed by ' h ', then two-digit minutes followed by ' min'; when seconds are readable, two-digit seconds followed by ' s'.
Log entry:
1 h 43 min 17 s
